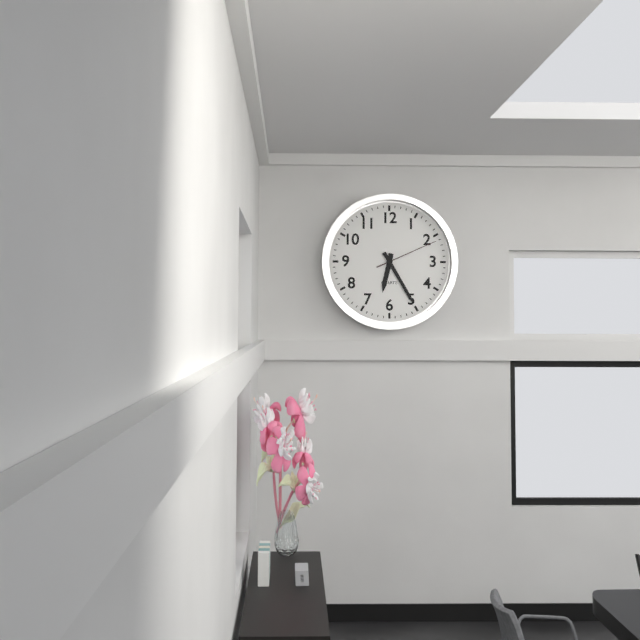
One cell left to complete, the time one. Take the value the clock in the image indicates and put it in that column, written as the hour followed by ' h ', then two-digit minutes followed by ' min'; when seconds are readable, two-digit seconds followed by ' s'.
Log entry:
6 h 25 min 11 s
